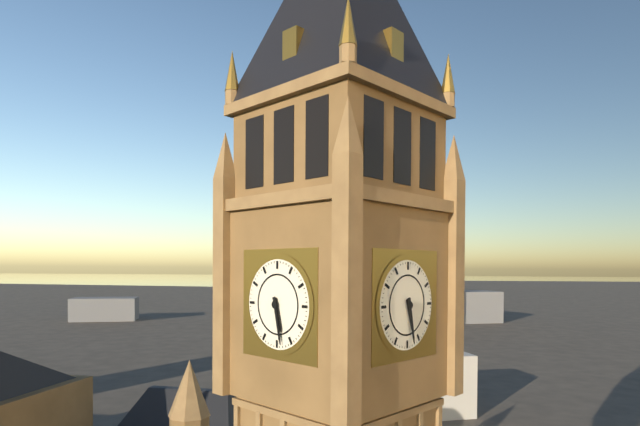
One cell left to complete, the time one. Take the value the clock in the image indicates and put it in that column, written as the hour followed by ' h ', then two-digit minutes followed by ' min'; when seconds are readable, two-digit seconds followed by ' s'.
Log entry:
5 h 28 min
